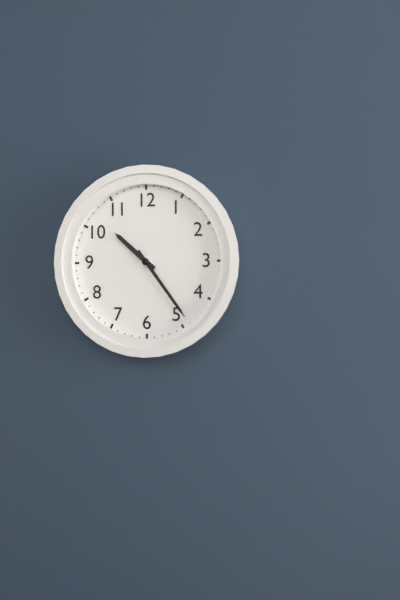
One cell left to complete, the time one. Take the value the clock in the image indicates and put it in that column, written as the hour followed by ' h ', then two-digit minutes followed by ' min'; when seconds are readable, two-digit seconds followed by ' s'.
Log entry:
10 h 24 min
